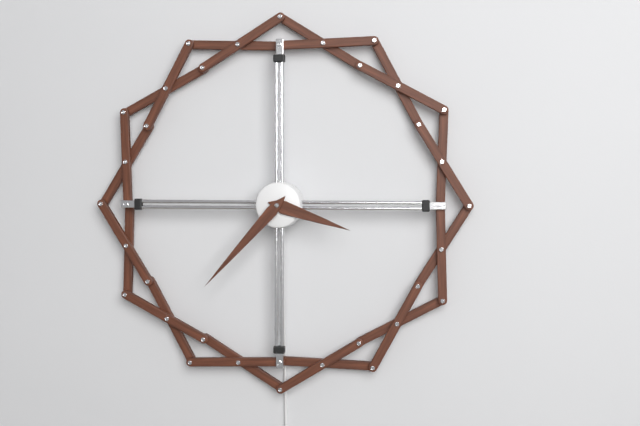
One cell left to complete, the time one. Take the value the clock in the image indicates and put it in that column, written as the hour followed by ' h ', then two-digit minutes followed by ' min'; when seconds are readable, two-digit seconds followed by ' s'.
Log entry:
3 h 37 min
